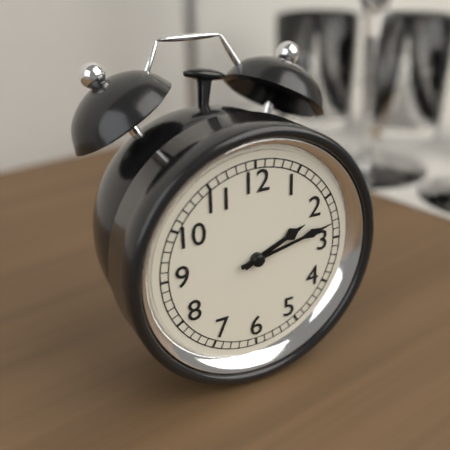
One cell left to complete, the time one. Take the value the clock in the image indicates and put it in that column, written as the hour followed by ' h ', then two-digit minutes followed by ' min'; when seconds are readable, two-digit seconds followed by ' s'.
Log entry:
2 h 13 min
